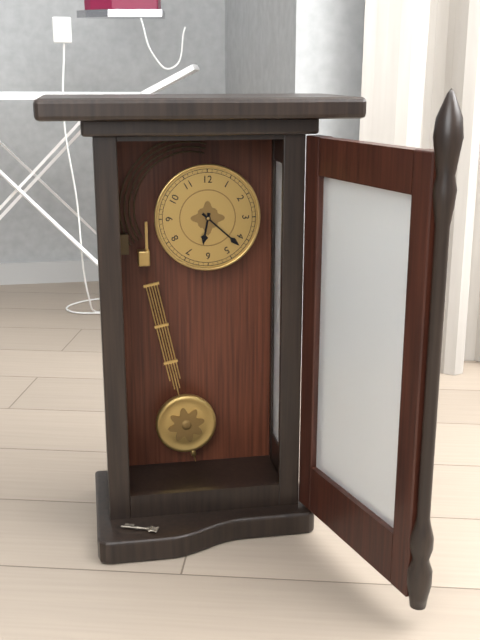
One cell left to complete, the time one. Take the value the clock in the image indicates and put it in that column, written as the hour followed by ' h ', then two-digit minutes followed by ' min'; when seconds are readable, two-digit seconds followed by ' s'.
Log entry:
6 h 22 min
